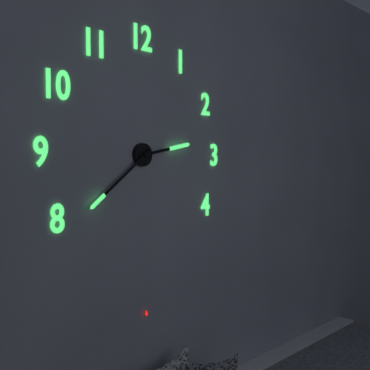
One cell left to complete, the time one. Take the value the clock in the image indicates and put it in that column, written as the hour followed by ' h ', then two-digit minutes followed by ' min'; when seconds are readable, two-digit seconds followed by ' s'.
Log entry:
2 h 39 min
